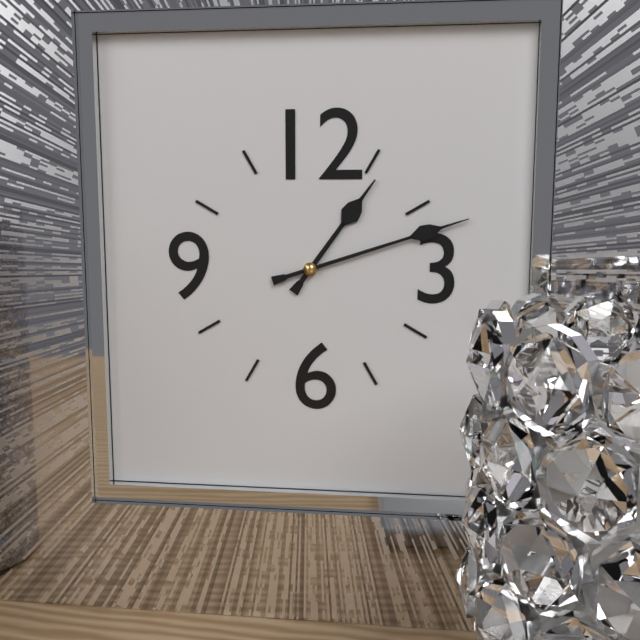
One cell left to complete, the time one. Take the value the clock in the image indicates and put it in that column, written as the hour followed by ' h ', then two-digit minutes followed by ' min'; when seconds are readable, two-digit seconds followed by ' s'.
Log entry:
1 h 12 min
